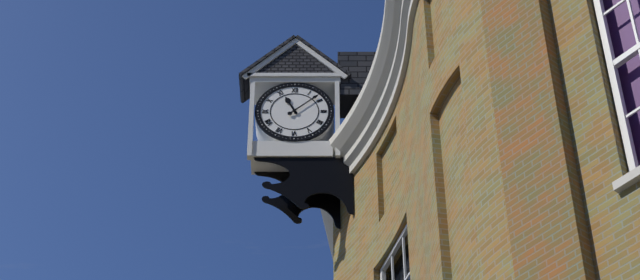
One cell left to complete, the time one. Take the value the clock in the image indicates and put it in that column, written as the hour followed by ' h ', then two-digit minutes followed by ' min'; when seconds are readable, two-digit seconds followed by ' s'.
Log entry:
11 h 08 min
